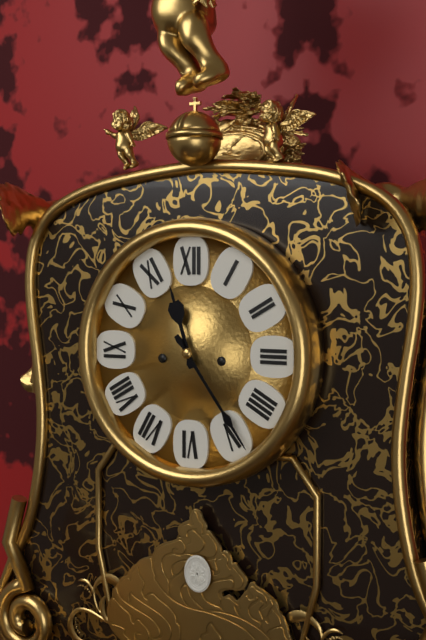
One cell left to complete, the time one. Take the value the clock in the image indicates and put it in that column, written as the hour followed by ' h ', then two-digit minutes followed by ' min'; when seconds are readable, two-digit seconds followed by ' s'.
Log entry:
11 h 24 min
